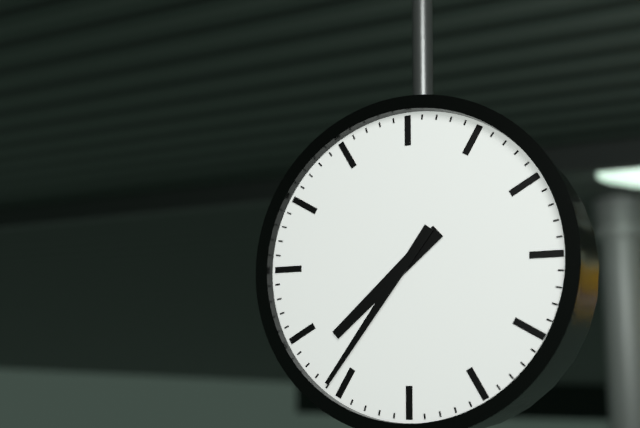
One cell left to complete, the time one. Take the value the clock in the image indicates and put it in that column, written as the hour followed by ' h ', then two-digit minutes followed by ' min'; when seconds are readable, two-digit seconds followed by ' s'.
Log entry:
7 h 36 min
